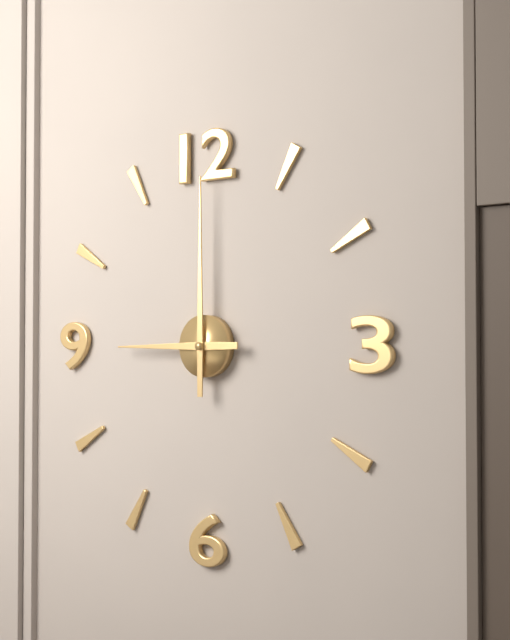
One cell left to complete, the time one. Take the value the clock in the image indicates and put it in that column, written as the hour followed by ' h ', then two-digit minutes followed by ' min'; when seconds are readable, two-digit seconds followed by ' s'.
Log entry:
9 h 00 min
